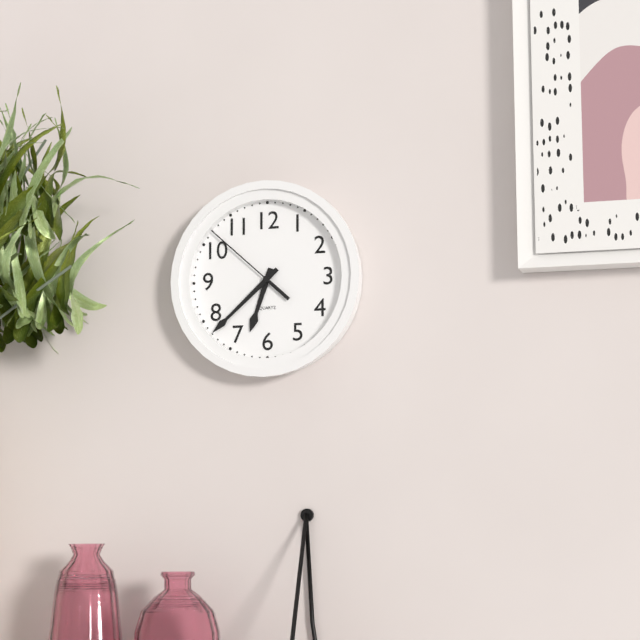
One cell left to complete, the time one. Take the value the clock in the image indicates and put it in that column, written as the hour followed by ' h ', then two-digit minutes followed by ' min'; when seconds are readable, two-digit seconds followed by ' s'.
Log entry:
6 h 38 min 52 s
